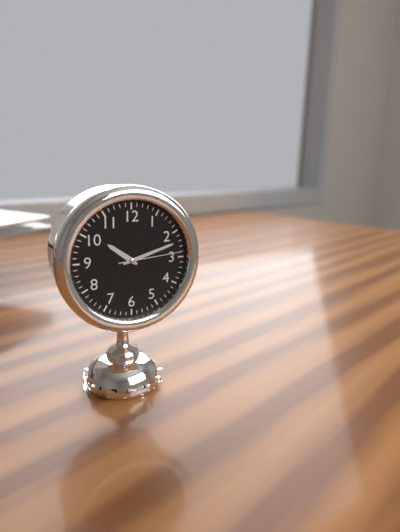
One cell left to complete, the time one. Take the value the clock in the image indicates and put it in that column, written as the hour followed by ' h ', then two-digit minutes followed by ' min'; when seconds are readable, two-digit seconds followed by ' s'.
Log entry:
10 h 12 min 14 s
